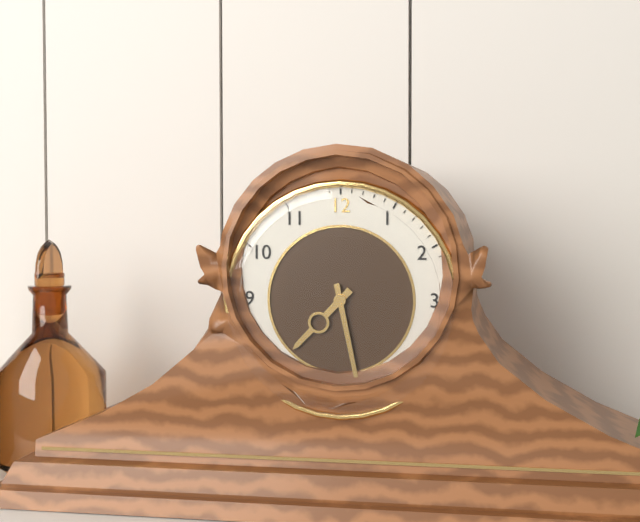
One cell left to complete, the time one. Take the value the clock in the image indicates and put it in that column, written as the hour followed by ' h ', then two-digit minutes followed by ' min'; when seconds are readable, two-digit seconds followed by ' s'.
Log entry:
7 h 28 min
